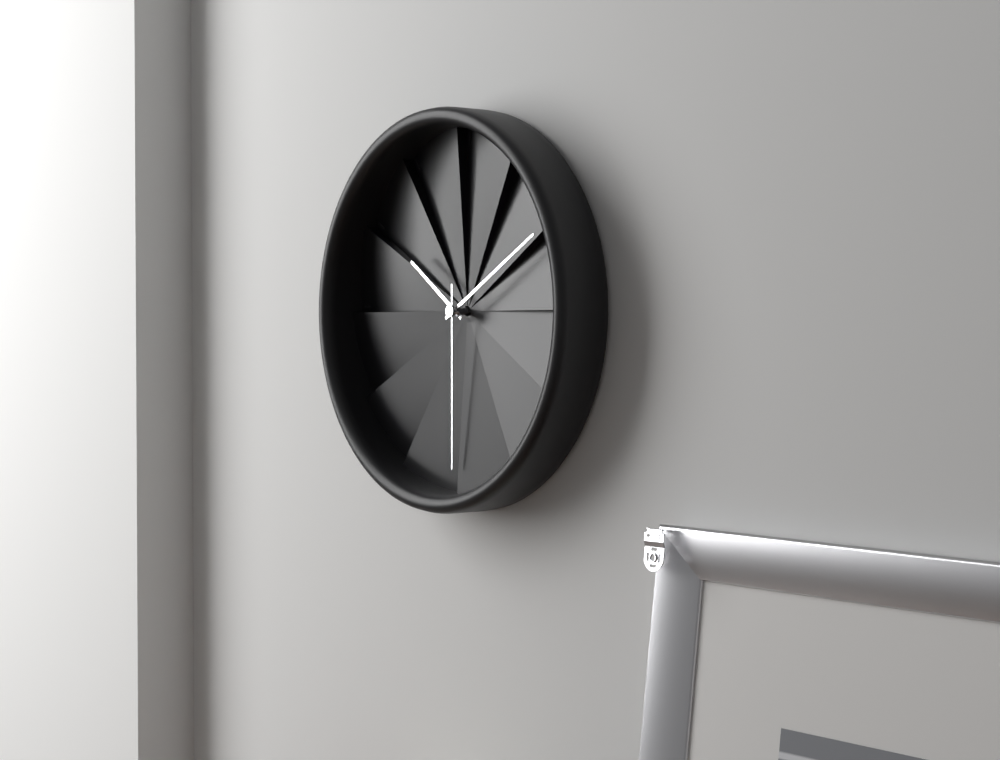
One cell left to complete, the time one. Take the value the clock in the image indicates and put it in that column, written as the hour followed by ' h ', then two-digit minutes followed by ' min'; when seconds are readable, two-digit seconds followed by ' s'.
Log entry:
10 h 10 min 30 s
